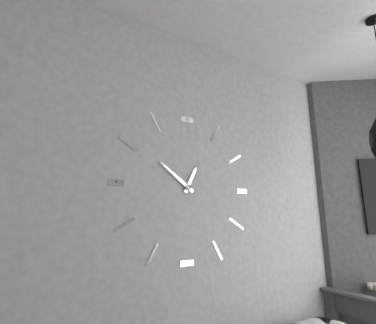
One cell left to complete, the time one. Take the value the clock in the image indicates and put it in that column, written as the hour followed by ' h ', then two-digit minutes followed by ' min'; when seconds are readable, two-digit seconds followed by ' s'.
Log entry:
12 h 51 min
